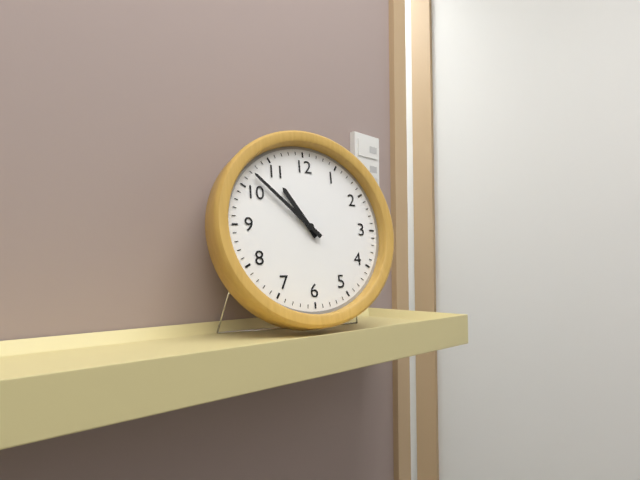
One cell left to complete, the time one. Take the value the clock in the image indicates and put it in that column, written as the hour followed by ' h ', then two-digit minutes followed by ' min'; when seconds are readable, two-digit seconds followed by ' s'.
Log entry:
10 h 52 min
